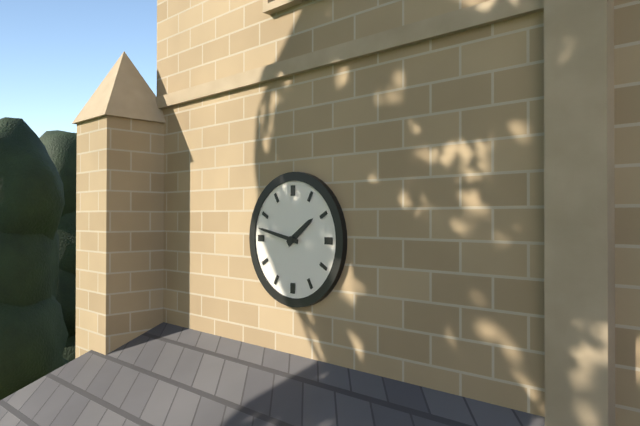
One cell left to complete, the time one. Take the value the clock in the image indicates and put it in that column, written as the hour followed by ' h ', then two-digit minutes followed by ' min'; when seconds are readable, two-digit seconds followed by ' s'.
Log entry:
1 h 47 min
